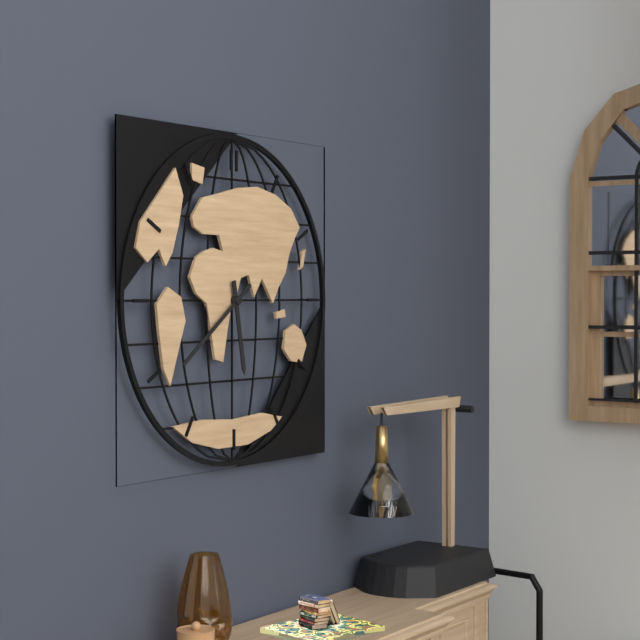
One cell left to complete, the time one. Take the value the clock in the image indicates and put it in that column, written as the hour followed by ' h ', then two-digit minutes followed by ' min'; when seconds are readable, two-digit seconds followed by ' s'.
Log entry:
5 h 39 min
